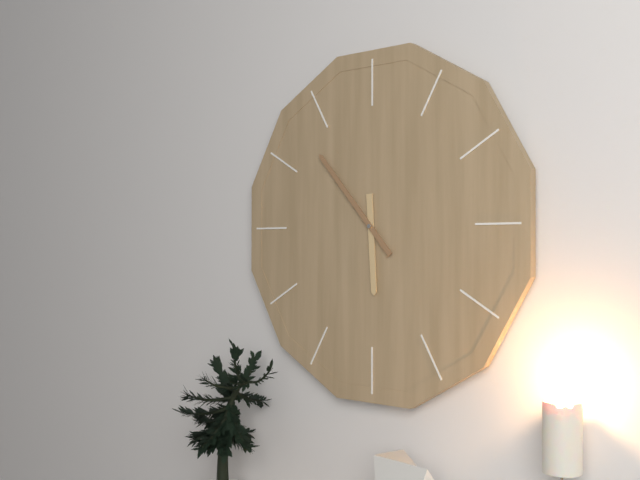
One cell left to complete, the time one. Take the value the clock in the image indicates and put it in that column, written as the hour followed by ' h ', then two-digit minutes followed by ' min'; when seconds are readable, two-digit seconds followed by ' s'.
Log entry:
5 h 53 min
